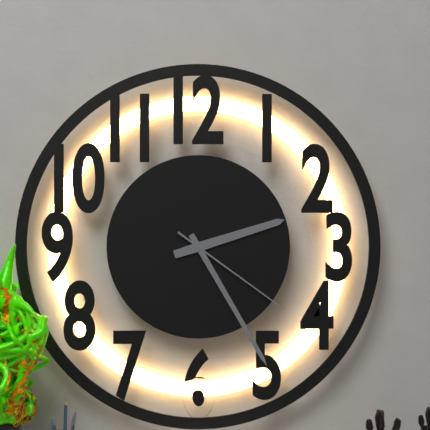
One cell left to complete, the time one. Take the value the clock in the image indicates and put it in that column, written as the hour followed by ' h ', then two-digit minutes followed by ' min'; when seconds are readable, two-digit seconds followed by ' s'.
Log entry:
2 h 25 min 21 s
